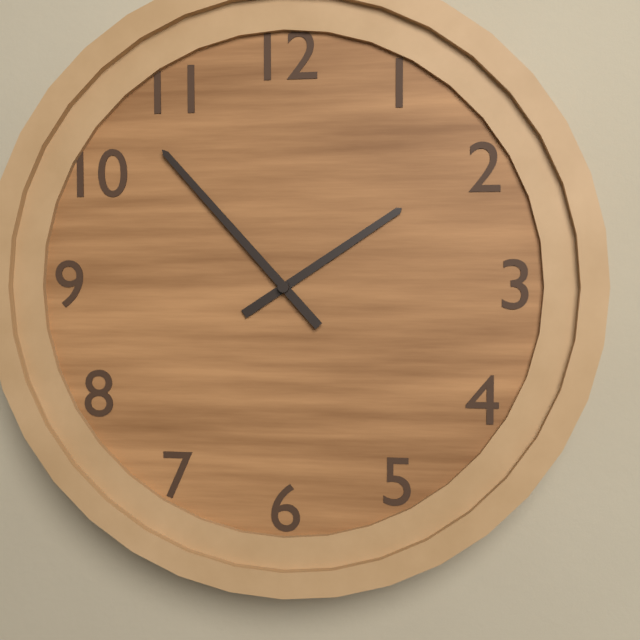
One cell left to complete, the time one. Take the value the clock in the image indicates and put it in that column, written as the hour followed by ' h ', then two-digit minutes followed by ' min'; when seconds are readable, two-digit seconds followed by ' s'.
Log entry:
1 h 53 min
